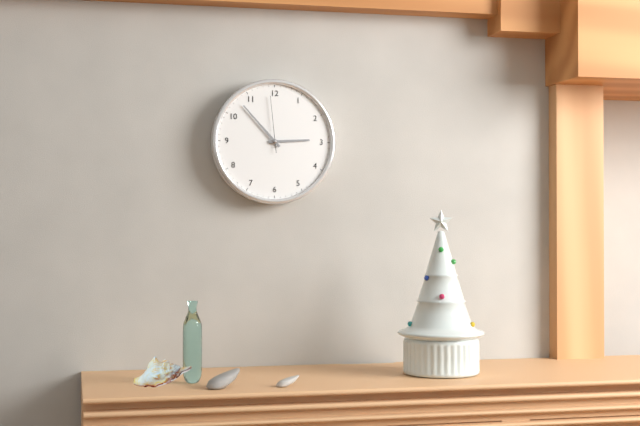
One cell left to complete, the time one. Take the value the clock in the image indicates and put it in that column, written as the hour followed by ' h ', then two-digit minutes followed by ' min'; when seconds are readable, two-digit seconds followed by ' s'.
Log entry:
2 h 53 min 59 s
